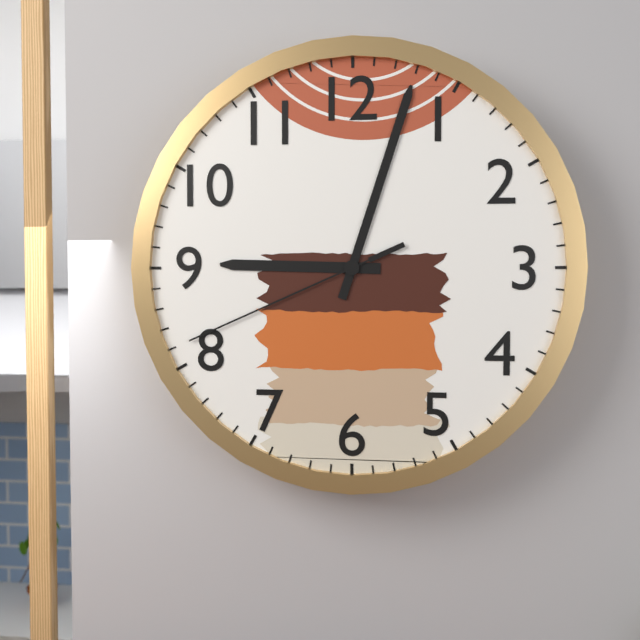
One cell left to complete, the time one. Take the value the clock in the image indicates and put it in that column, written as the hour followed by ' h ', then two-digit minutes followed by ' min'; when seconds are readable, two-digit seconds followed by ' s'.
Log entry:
9 h 03 min 41 s
